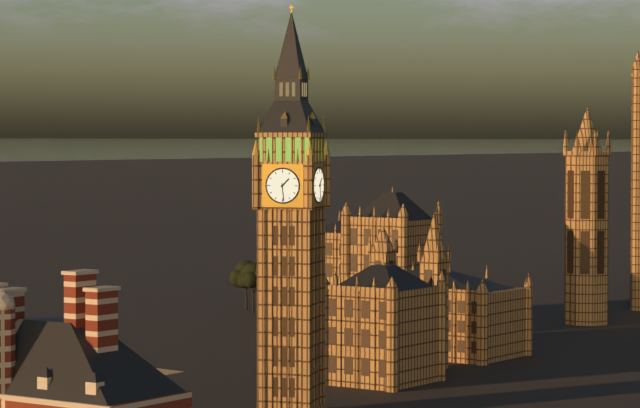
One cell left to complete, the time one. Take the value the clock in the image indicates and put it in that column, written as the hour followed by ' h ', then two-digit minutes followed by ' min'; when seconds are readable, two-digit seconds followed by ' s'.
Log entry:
1 h 29 min
